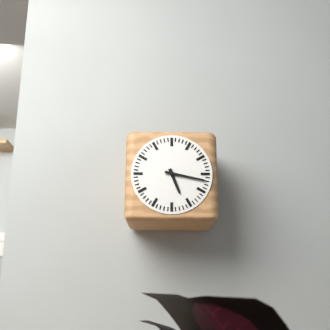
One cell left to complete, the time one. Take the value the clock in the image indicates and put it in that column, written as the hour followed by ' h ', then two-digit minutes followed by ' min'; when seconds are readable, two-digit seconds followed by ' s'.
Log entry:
5 h 17 min
